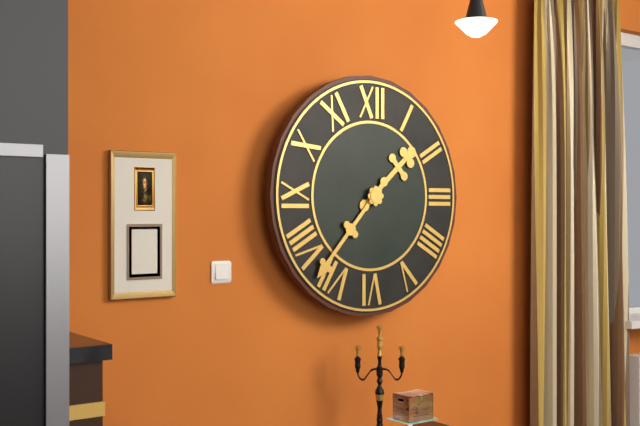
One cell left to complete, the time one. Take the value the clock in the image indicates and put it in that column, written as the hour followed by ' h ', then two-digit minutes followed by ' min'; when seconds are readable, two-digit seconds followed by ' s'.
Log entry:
1 h 37 min
